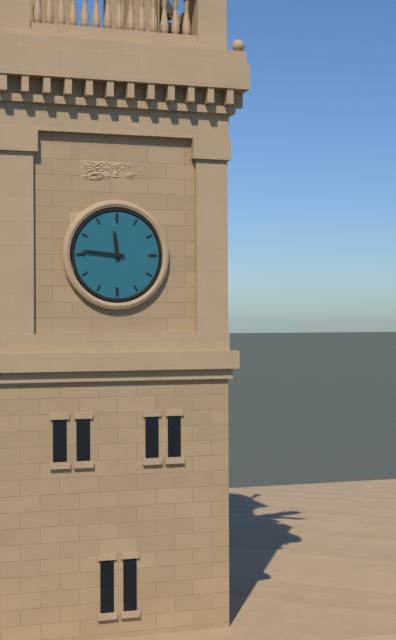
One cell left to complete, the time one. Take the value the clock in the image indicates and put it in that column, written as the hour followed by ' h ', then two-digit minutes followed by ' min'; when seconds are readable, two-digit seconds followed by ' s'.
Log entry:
11 h 46 min
